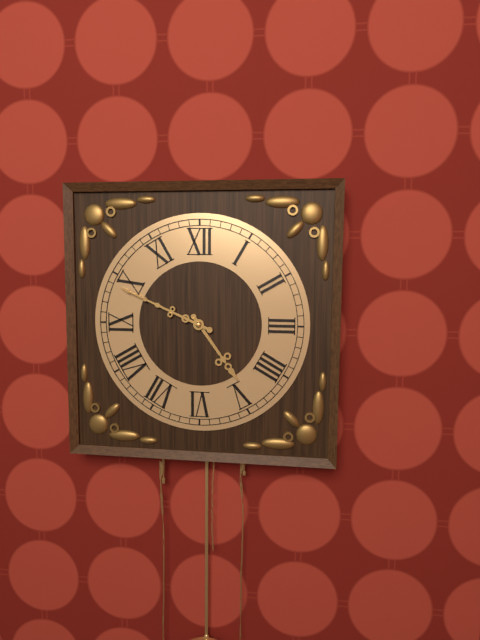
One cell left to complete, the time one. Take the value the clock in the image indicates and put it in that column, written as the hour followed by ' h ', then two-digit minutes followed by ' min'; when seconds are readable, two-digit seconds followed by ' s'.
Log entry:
4 h 49 min
